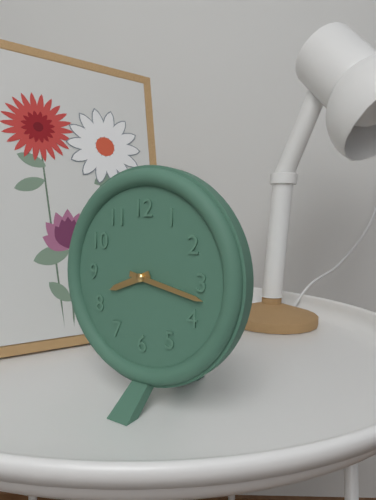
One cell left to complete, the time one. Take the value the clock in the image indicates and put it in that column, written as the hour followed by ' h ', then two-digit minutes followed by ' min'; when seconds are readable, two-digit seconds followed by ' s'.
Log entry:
8 h 17 min
